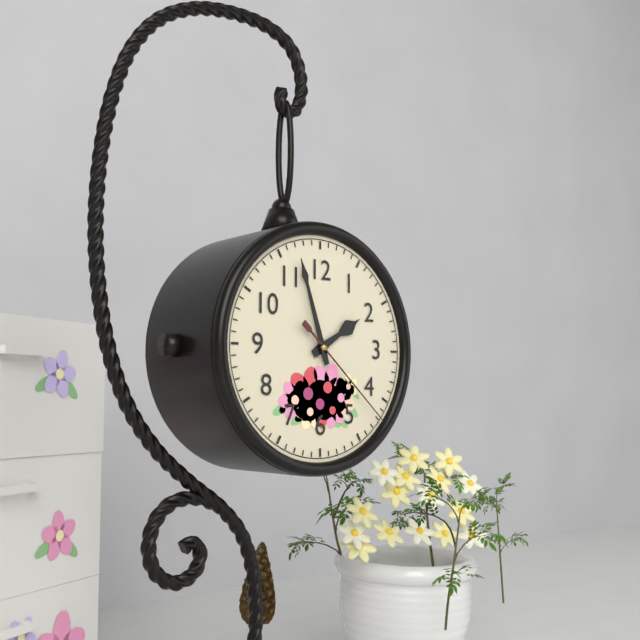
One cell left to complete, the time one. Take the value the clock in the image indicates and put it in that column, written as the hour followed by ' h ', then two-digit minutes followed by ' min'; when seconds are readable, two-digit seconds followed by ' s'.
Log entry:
1 h 57 min 22 s
